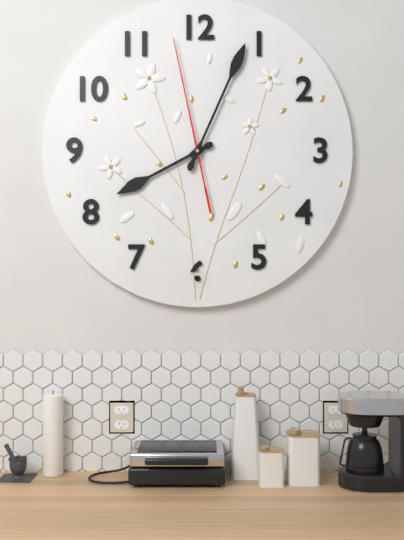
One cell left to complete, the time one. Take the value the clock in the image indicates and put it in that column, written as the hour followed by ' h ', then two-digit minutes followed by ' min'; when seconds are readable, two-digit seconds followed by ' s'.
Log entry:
8 h 04 min 58 s
